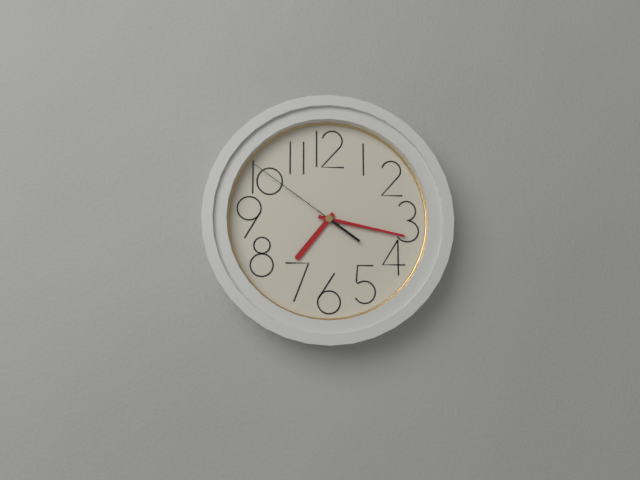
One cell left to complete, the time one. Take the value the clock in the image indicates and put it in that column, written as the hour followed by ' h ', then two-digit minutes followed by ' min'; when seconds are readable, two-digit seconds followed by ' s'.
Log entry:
7 h 17 min 51 s
